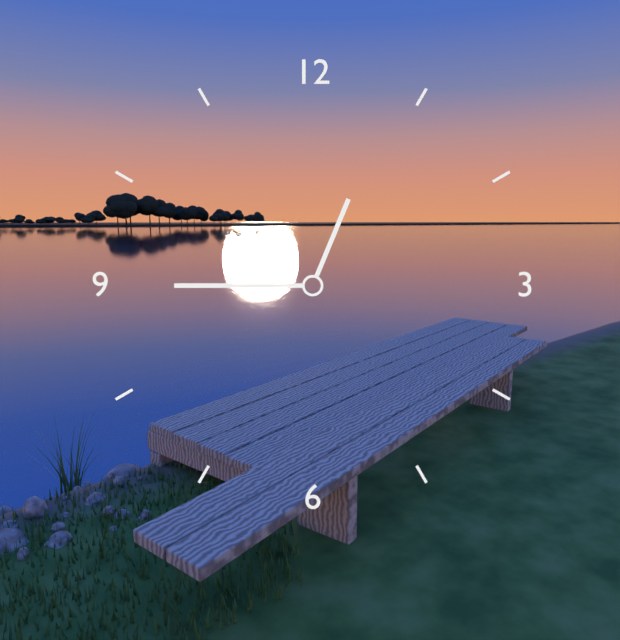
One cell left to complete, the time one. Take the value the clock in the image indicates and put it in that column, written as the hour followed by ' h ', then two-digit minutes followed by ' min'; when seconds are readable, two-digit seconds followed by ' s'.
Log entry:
12 h 45 min
